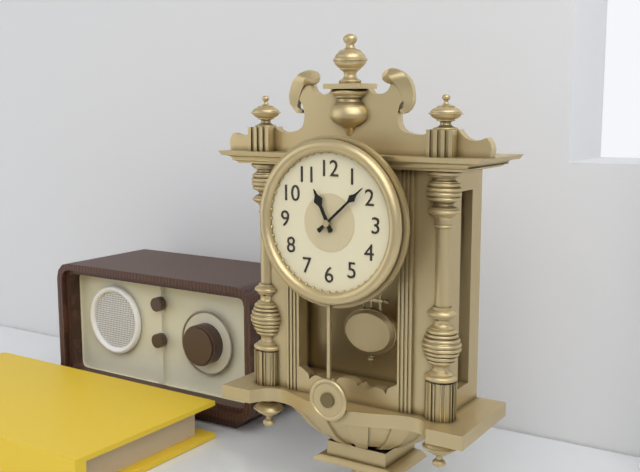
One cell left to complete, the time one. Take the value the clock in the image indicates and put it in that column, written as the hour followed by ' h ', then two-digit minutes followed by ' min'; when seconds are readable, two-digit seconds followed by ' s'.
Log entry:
11 h 08 min
